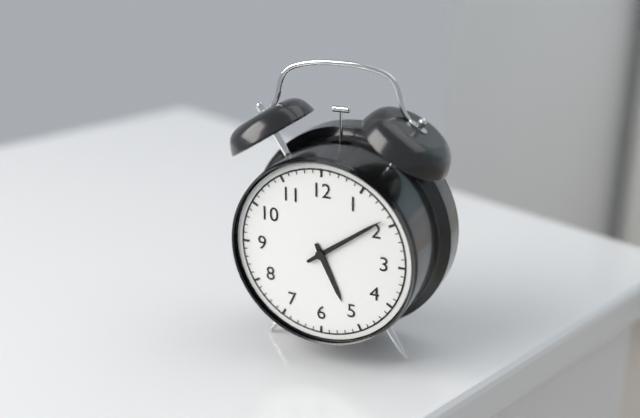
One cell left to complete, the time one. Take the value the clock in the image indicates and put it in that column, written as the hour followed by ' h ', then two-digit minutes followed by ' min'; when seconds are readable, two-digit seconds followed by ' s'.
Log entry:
5 h 09 min
